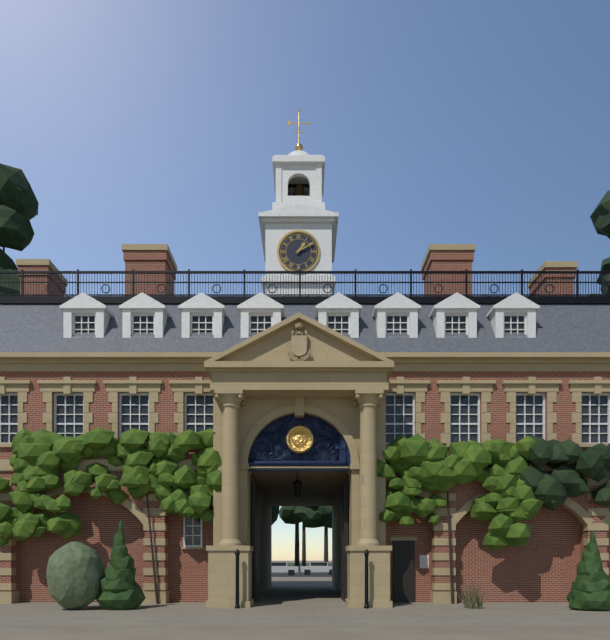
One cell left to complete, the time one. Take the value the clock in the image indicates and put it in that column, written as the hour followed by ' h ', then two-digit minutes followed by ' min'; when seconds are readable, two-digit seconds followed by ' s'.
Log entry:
1 h 10 min
